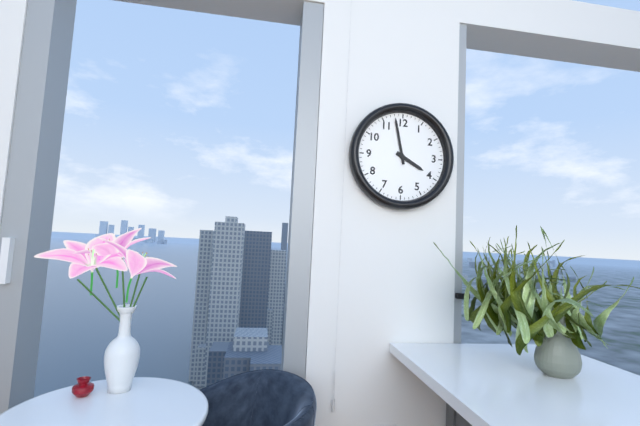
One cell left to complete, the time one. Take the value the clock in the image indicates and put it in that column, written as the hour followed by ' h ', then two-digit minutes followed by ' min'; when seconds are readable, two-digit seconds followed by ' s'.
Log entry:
3 h 58 min
